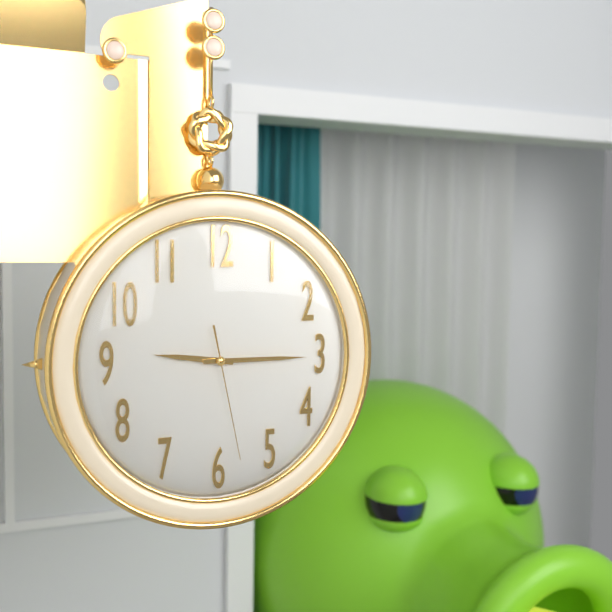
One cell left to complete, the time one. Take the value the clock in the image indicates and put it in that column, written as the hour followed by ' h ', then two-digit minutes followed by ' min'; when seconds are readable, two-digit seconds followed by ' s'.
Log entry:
9 h 15 min 28 s
